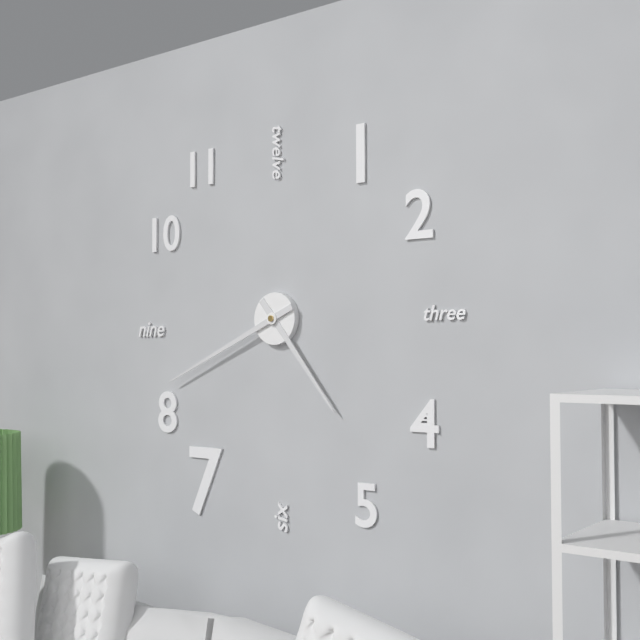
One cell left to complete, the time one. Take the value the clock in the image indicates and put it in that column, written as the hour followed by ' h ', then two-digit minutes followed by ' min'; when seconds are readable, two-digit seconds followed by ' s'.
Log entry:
4 h 41 min
